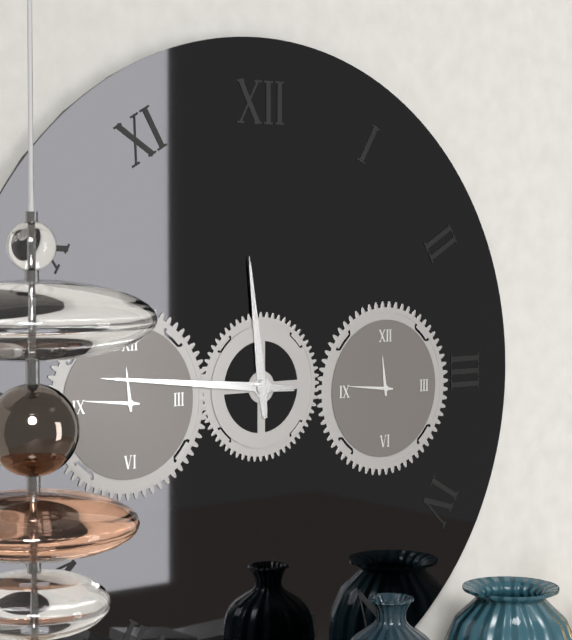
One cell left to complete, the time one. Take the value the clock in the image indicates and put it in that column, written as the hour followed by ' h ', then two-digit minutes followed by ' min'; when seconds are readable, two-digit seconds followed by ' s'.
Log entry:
11 h 46 min
